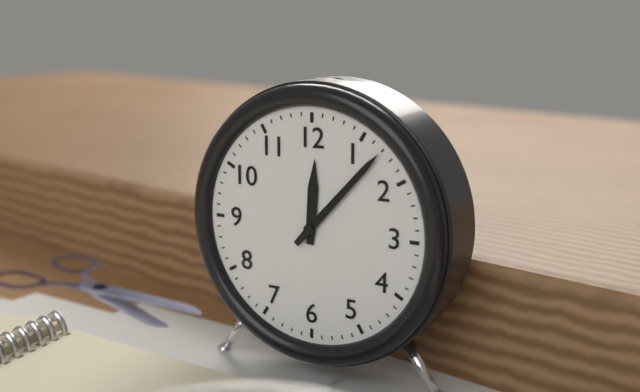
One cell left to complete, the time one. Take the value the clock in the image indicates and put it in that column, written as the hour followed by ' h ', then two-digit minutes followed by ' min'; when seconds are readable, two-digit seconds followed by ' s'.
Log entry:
12 h 07 min
